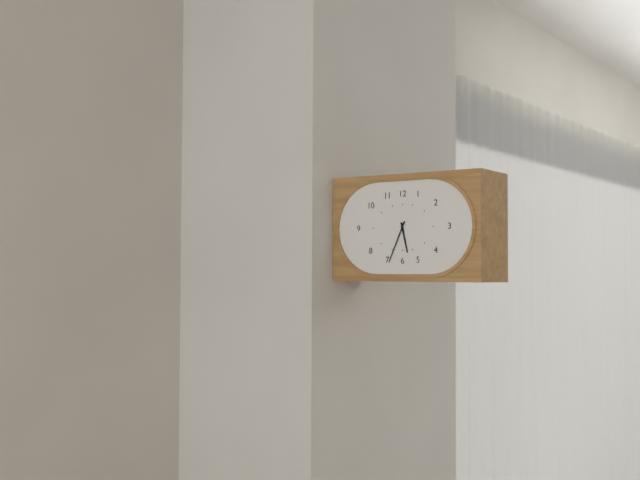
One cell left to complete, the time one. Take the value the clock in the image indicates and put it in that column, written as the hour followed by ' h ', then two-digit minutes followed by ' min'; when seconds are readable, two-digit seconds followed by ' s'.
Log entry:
5 h 34 min
